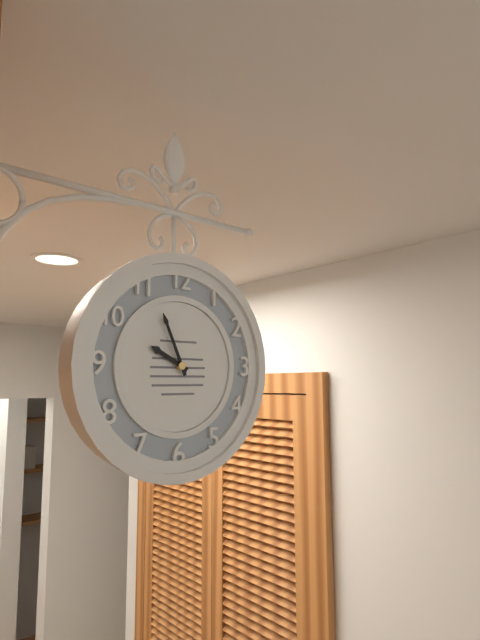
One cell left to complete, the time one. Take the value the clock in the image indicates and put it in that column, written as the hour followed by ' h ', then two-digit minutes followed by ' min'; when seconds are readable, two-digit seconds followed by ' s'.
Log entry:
9 h 56 min
